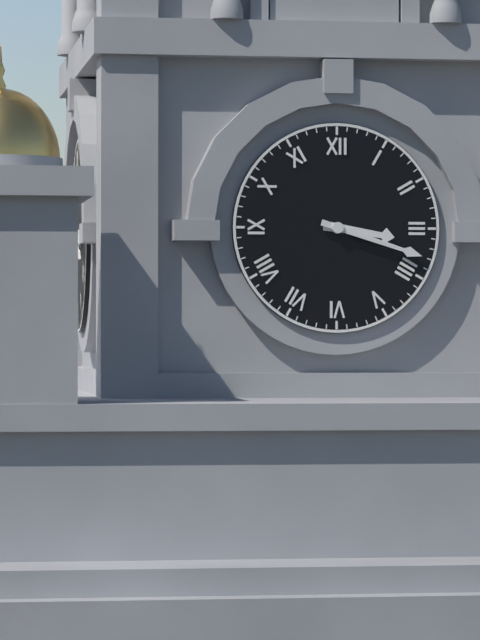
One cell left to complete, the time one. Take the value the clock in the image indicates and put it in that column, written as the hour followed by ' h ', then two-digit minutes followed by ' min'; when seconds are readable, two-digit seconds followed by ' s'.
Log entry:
3 h 18 min
